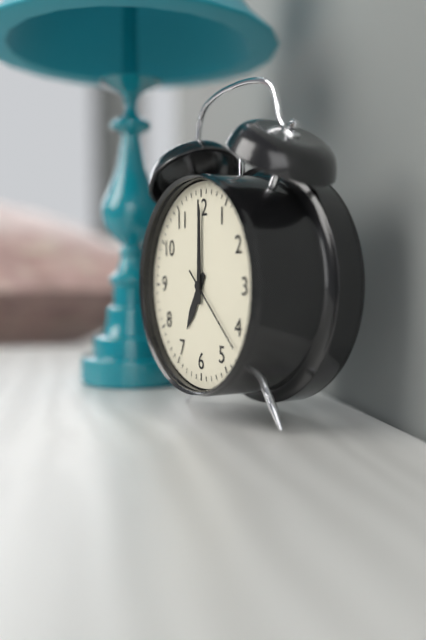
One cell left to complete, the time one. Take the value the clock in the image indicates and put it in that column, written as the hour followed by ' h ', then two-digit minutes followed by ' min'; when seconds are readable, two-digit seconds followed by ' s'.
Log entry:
7 h 00 min 22 s
